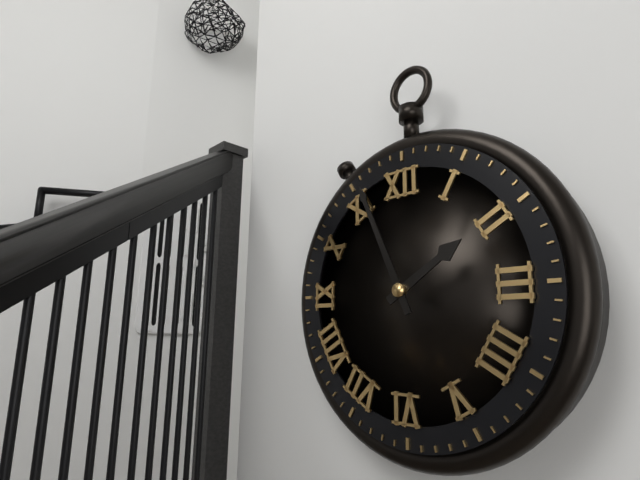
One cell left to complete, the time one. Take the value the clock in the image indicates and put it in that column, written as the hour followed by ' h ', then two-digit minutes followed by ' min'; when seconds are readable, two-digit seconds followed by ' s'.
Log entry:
1 h 56 min
